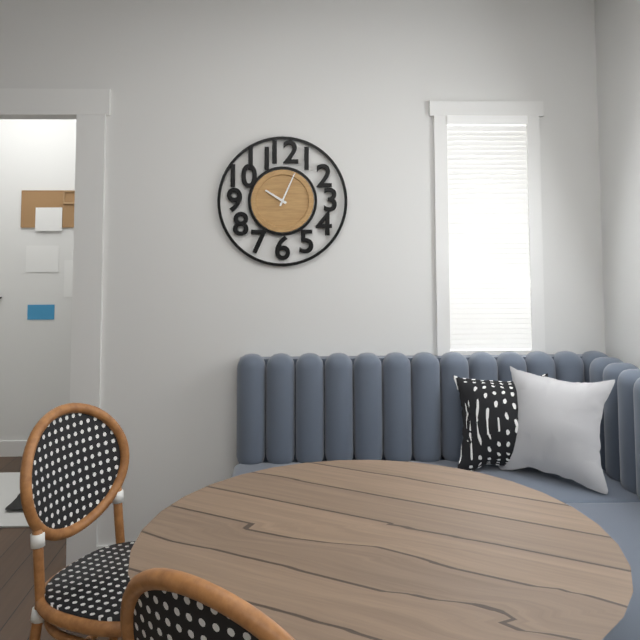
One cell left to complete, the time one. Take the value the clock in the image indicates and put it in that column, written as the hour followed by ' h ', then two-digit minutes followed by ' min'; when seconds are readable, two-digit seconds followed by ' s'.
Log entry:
10 h 04 min
